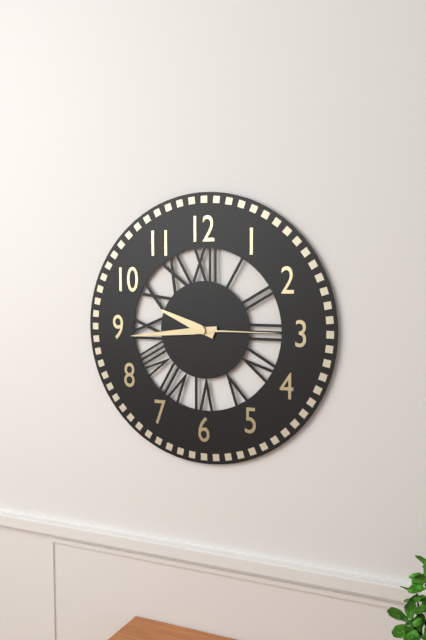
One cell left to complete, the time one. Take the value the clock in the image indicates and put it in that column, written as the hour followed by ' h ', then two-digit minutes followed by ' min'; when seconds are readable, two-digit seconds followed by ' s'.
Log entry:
9 h 44 min 15 s
